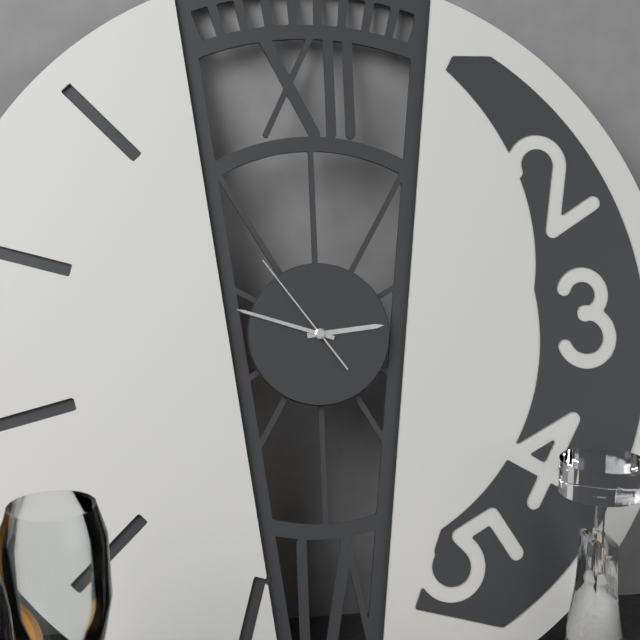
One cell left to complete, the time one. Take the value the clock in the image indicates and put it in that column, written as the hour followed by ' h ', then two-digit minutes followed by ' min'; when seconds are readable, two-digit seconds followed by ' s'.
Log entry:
2 h 48 min 54 s
